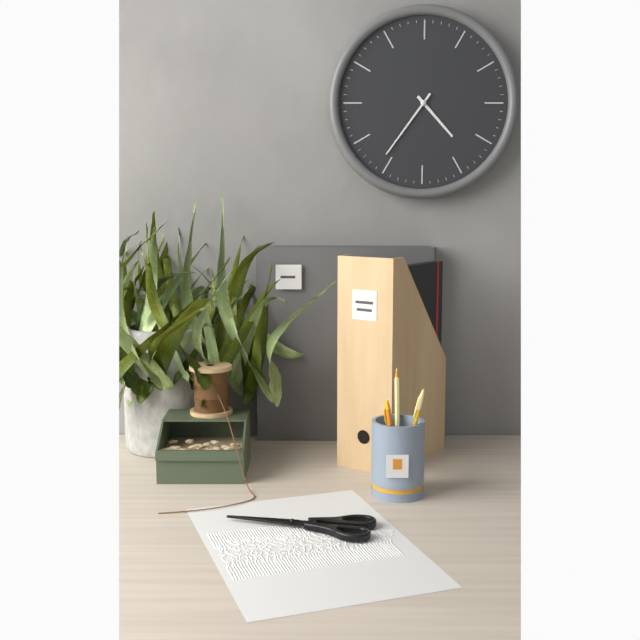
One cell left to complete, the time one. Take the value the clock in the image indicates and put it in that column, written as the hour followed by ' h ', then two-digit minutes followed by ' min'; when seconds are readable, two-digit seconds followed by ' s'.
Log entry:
4 h 36 min
